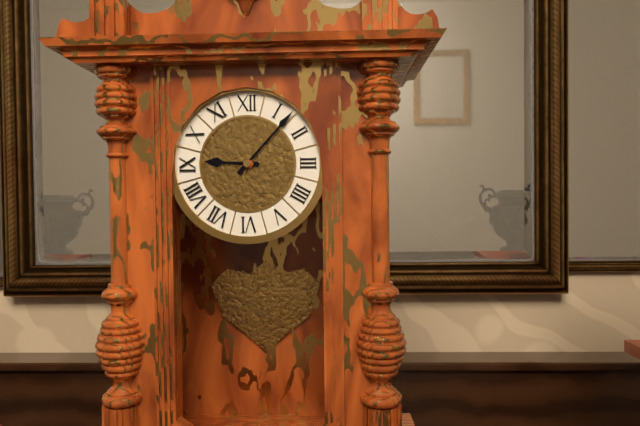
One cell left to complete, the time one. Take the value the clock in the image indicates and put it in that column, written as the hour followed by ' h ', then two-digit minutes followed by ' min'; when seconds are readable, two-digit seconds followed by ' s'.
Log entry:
9 h 07 min
